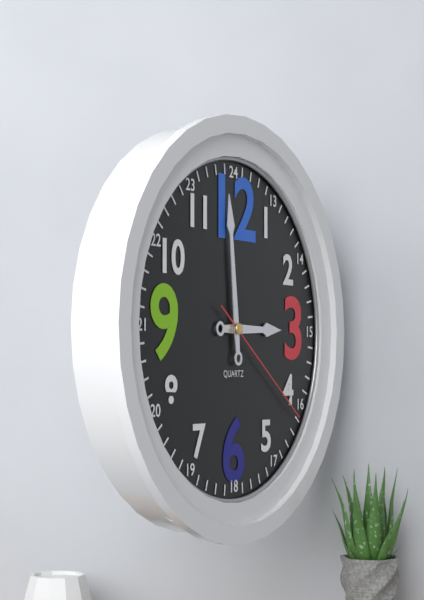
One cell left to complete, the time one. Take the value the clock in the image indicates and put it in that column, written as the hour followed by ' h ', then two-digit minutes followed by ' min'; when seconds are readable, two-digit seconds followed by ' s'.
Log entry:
2 h 59 min 21 s
